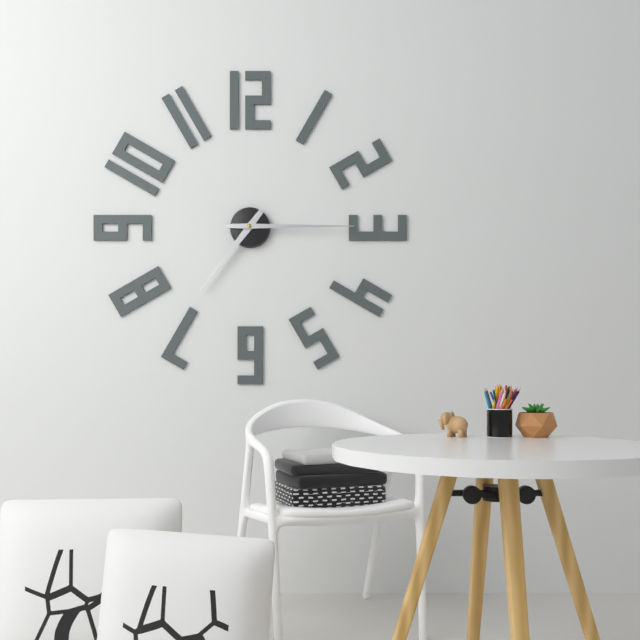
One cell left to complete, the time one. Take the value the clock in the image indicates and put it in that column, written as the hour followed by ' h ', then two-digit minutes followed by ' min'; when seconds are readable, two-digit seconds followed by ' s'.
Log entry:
7 h 15 min
